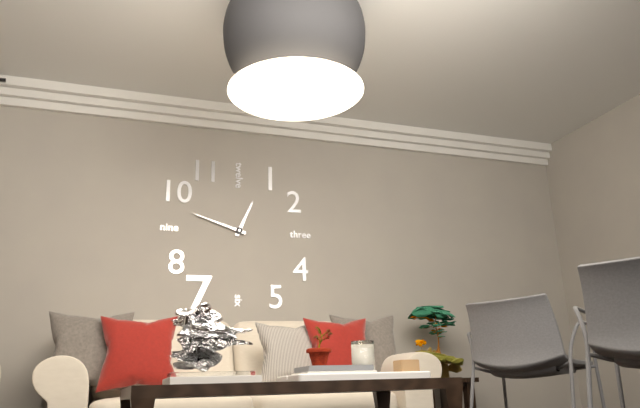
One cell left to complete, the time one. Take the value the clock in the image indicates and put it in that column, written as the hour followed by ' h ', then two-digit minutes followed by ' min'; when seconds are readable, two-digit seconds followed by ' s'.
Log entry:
12 h 48 min
